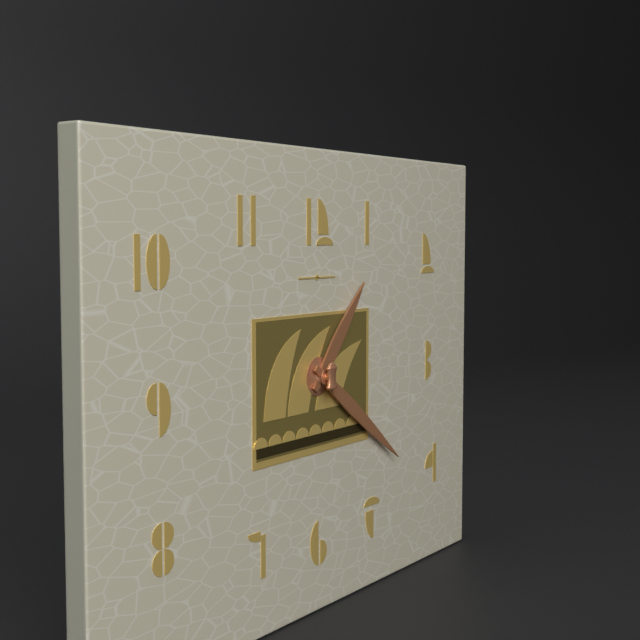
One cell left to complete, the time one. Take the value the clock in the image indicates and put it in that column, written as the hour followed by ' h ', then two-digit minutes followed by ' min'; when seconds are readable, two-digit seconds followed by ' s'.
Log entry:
1 h 21 min
